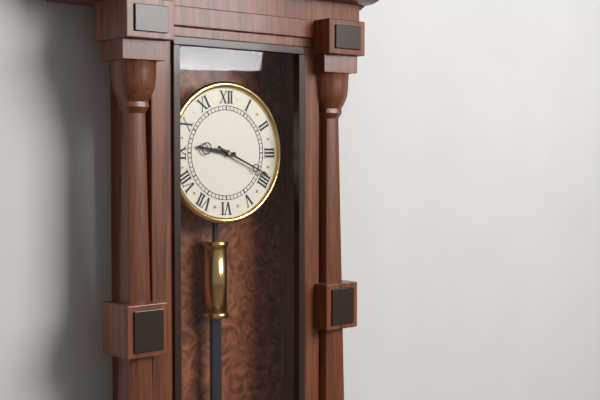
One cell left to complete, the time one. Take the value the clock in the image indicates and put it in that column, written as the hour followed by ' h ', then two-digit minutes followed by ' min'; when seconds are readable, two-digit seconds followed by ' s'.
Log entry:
9 h 19 min
